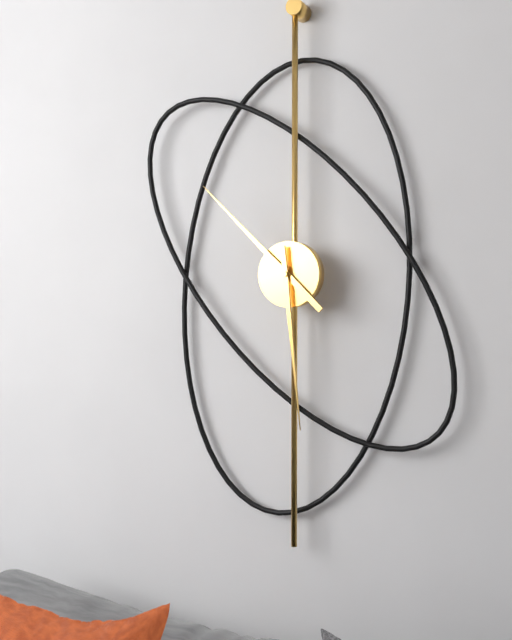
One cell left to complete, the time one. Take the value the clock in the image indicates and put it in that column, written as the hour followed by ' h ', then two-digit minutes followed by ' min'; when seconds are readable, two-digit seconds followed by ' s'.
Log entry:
10 h 29 min
